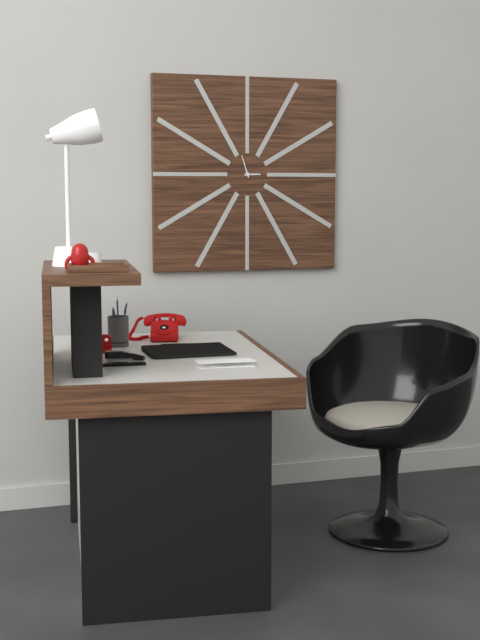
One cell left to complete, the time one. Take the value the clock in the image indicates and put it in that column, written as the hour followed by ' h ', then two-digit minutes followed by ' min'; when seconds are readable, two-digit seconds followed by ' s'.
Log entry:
2 h 57 min
